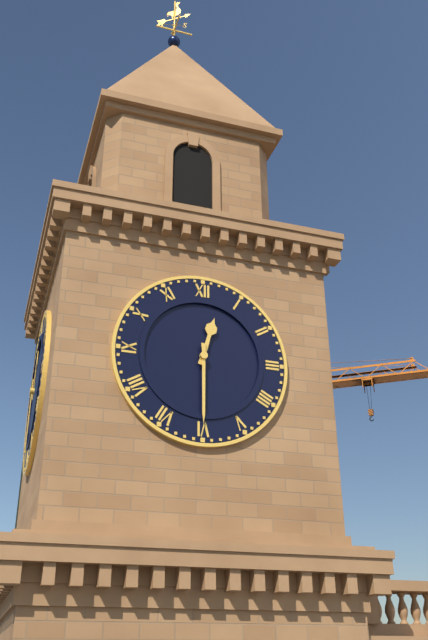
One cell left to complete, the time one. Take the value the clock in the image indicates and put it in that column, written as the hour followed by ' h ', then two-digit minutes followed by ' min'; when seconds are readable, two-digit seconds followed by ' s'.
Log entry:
12 h 30 min
